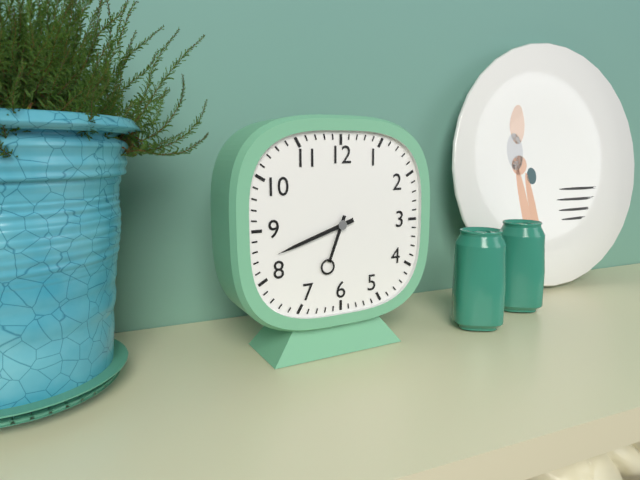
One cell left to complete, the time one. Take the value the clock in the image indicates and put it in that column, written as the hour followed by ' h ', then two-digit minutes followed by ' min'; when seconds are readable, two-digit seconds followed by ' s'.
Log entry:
6 h 42 min
